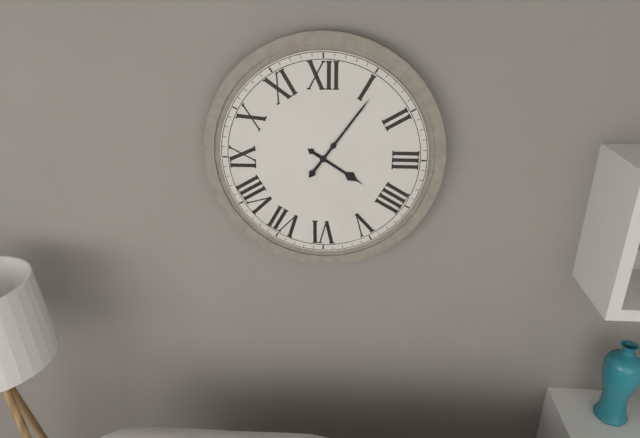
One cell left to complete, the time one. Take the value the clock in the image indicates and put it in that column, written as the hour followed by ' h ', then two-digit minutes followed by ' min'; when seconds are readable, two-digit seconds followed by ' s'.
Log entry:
4 h 06 min
